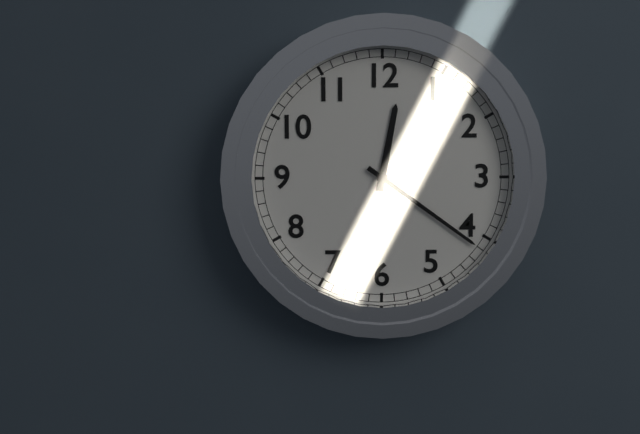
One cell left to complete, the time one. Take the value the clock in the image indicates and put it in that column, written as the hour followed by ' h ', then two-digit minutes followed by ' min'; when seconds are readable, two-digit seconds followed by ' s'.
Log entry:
12 h 21 min
